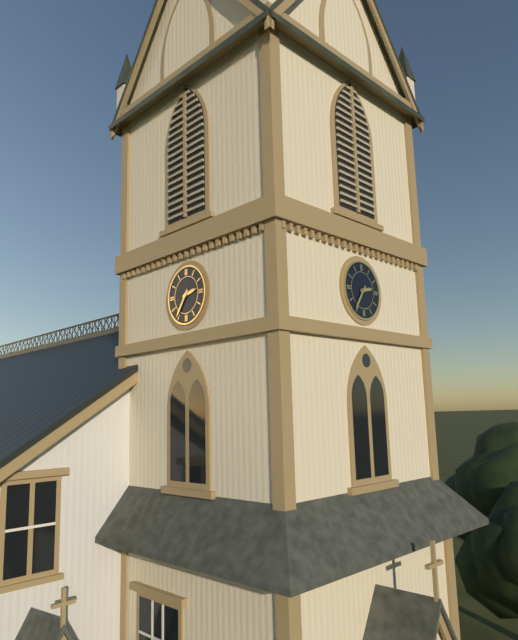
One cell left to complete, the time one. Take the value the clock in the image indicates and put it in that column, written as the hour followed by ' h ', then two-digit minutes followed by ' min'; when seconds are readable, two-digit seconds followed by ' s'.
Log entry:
2 h 36 min
